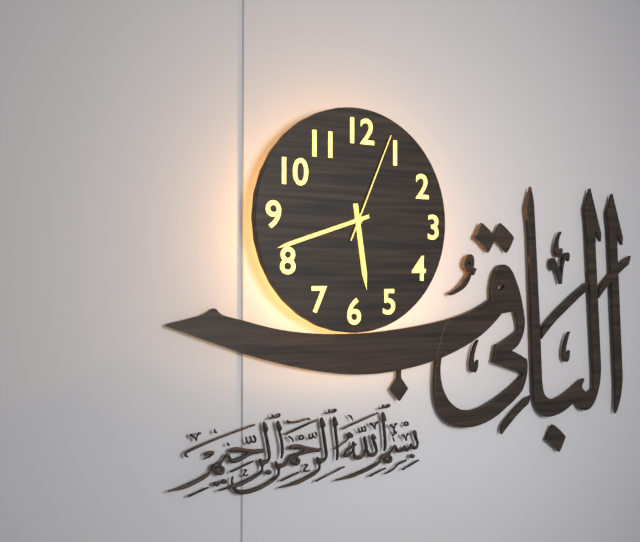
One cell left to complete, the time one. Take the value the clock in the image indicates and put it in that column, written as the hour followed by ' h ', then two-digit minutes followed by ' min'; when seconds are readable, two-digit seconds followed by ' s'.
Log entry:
5 h 42 min 04 s
